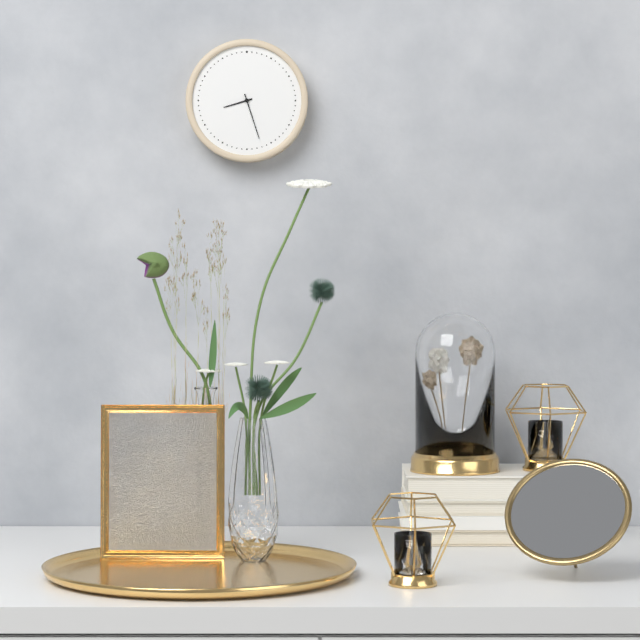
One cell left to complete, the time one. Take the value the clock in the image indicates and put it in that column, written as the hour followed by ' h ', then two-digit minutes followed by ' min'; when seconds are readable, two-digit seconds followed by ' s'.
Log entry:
8 h 27 min
